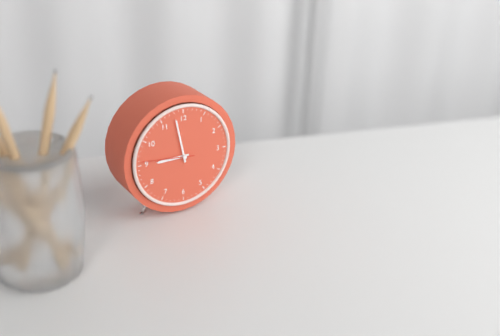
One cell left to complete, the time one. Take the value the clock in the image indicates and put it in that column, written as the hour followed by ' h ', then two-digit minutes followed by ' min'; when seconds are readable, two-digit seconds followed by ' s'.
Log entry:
8 h 58 min 46 s
